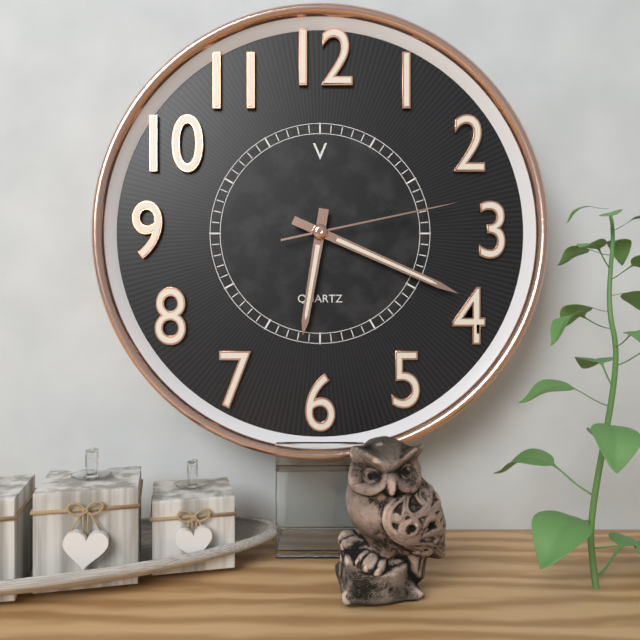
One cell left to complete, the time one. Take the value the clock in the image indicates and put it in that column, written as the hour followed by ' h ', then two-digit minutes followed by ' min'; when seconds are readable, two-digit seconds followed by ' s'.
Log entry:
6 h 19 min 13 s
